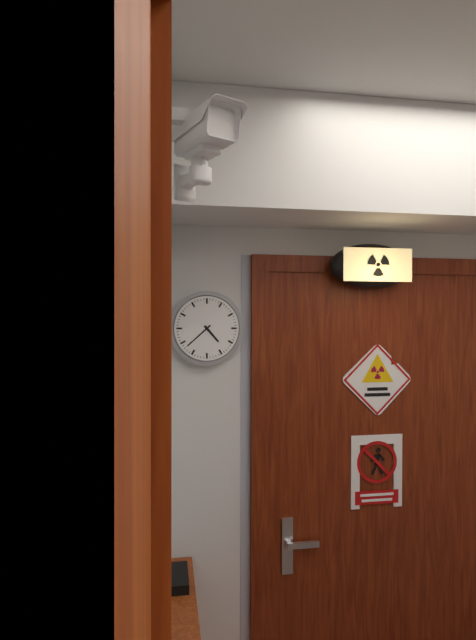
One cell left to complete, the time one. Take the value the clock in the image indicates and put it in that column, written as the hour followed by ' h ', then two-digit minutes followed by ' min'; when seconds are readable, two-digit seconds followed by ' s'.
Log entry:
4 h 38 min
